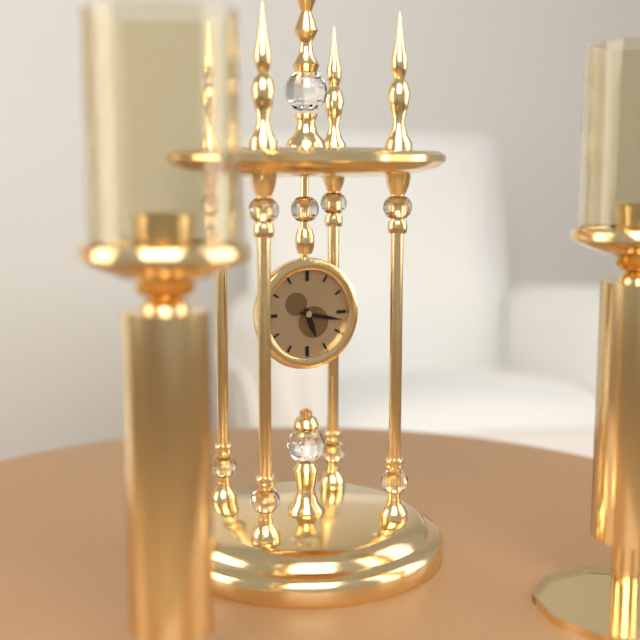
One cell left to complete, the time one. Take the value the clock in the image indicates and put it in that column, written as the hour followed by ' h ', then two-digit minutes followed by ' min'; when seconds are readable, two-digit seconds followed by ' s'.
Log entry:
5 h 17 min
